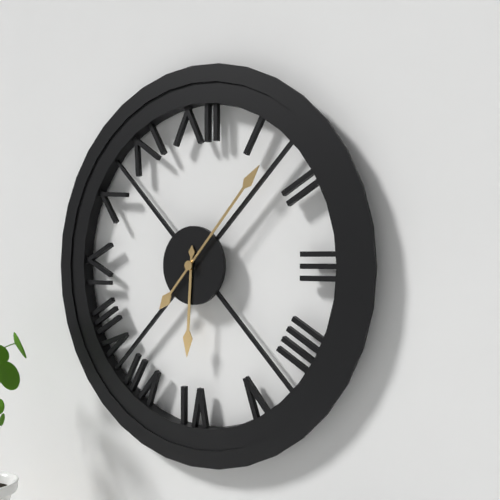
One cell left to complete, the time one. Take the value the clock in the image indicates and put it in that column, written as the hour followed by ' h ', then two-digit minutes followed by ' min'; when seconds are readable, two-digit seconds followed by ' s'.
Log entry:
6 h 07 min
